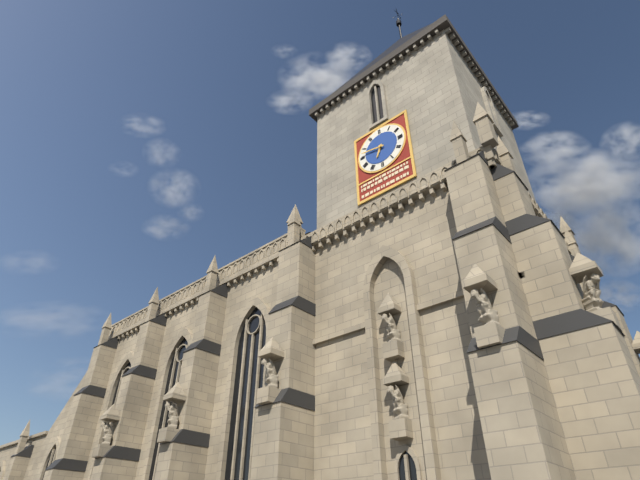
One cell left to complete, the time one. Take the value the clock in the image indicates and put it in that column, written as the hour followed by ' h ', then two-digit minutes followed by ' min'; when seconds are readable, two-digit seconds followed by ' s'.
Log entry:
6 h 47 min
